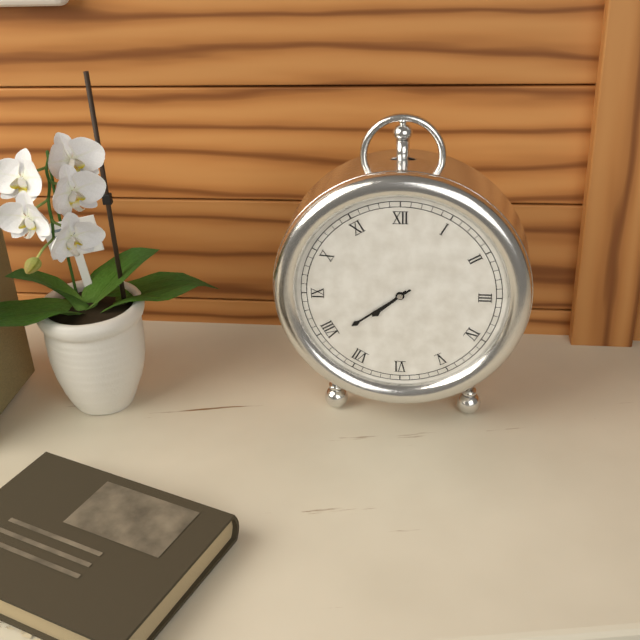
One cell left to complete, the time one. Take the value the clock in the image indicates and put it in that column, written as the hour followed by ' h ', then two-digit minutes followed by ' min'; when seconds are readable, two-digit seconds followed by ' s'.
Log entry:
7 h 39 min
